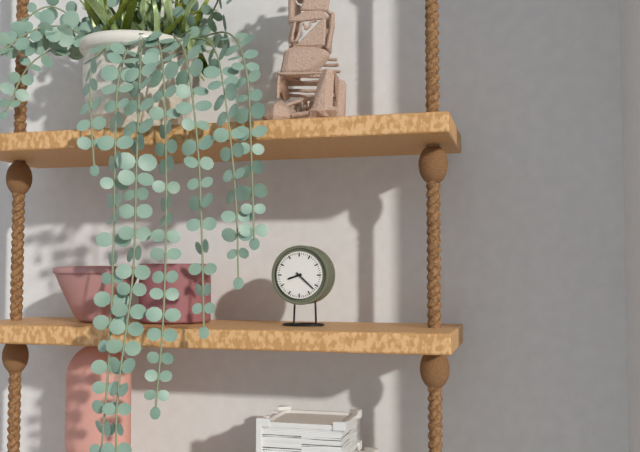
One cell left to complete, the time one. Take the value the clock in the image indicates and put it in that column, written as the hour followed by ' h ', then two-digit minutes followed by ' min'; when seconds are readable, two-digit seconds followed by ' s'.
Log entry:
8 h 22 min
